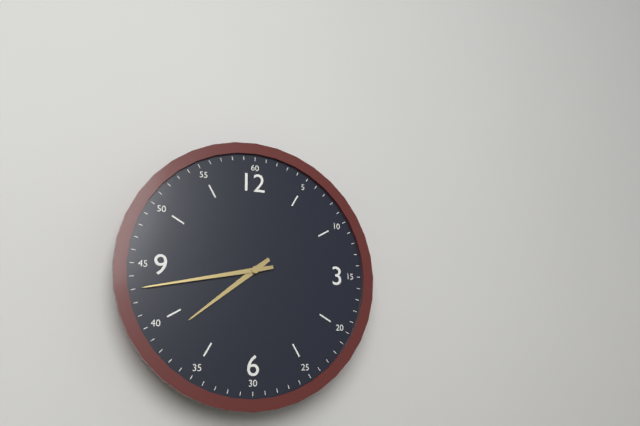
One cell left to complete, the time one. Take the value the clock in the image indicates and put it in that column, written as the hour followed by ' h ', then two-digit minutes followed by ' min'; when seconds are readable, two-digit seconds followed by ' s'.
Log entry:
7 h 43 min
